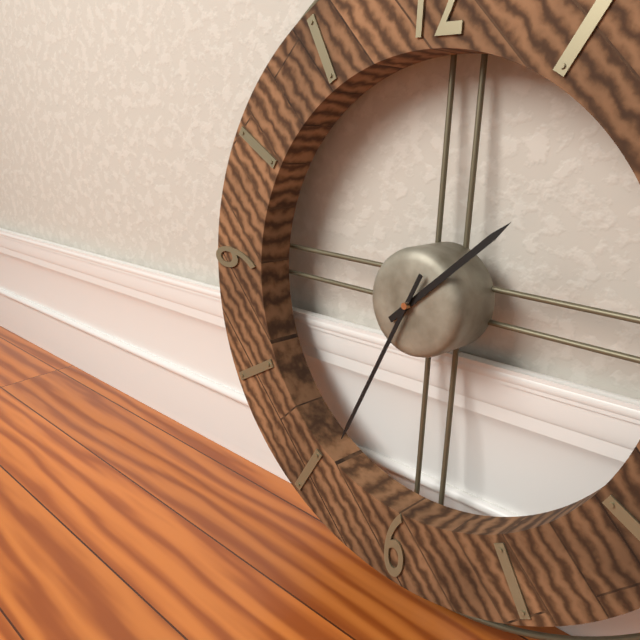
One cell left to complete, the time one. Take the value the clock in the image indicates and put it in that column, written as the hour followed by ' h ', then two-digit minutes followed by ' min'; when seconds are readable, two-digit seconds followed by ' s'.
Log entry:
1 h 34 min
